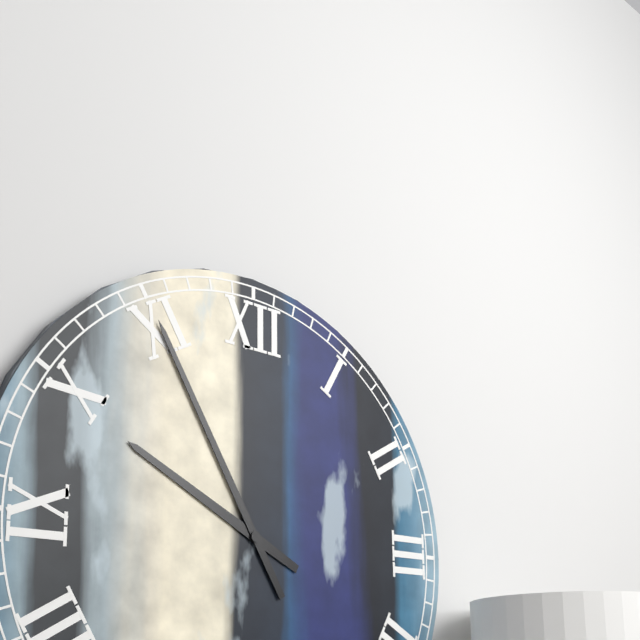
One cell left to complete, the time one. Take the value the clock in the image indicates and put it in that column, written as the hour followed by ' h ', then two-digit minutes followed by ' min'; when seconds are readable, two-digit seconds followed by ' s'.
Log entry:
9 h 55 min
